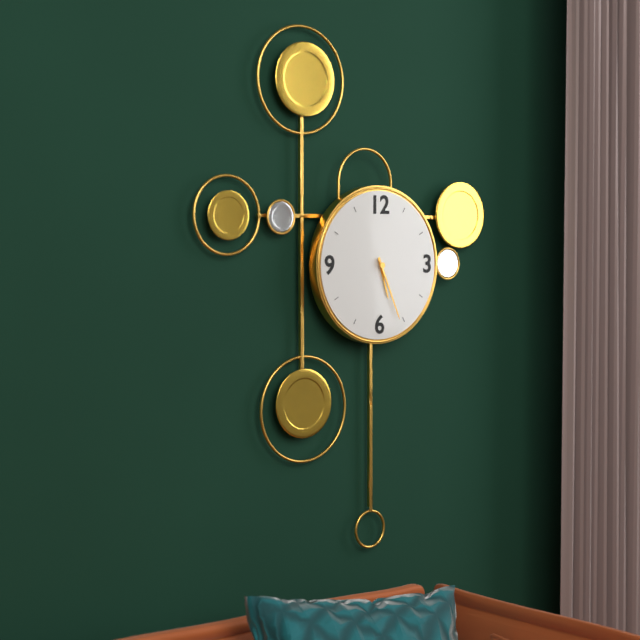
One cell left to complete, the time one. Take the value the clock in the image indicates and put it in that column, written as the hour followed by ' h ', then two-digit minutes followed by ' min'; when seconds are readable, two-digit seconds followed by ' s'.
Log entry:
5 h 26 min
